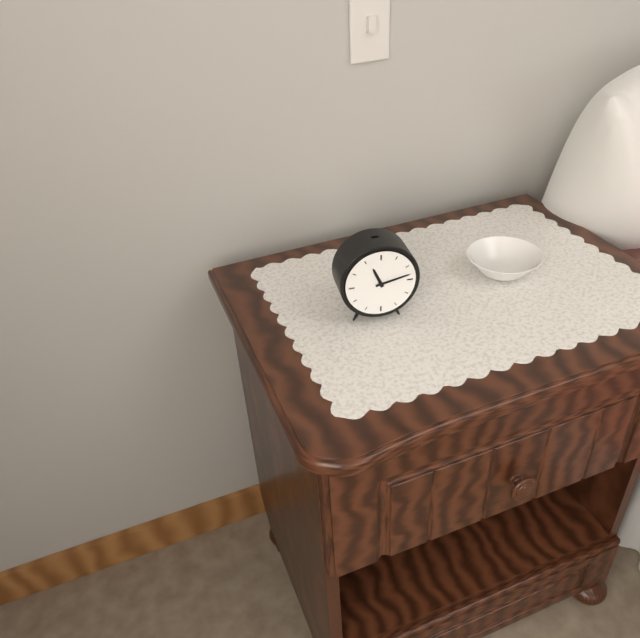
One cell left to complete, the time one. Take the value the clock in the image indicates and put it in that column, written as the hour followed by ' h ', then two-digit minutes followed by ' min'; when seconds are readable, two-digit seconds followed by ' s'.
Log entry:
11 h 13 min
